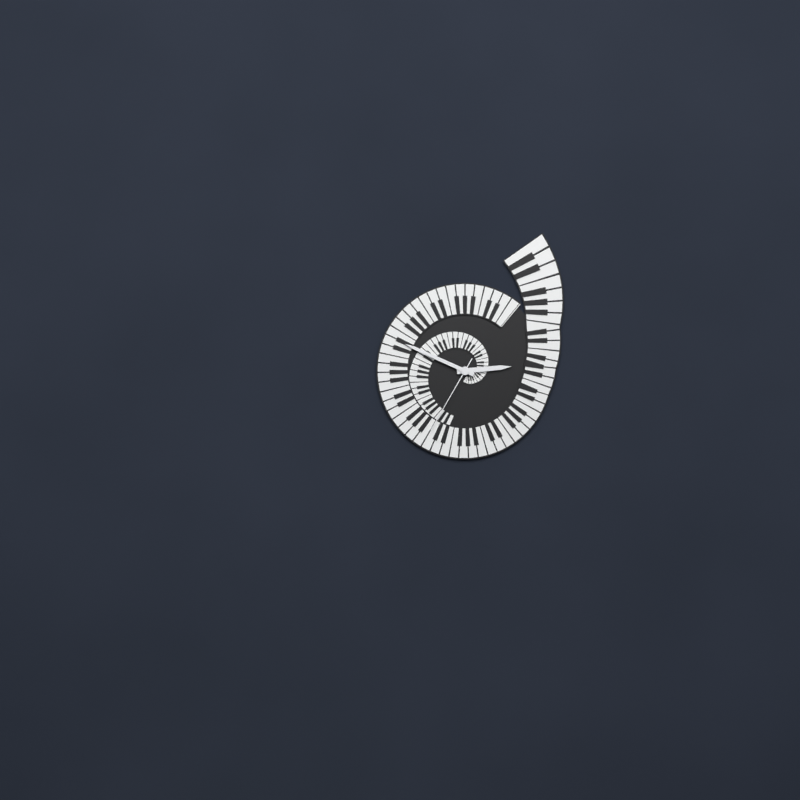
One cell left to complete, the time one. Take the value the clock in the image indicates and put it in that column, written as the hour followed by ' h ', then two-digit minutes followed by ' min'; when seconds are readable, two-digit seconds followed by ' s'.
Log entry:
2 h 49 min 35 s
